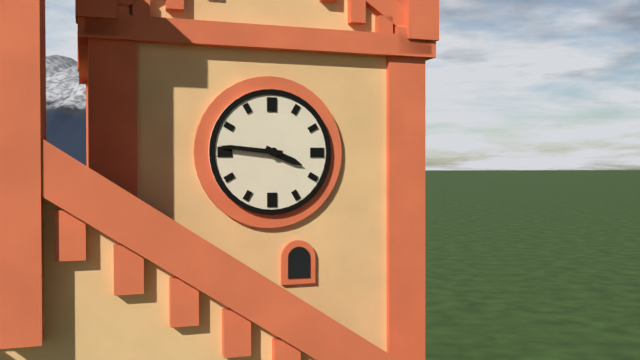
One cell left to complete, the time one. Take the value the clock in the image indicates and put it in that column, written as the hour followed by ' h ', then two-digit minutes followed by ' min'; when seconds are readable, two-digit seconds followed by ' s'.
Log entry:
3 h 46 min
